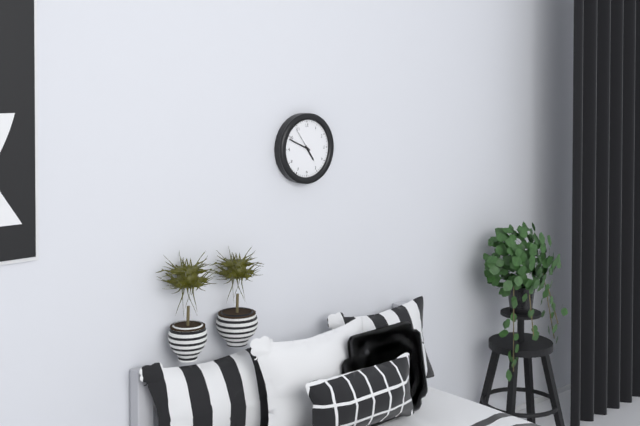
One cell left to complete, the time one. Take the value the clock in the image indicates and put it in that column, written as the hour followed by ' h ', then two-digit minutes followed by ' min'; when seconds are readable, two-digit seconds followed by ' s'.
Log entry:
4 h 49 min
